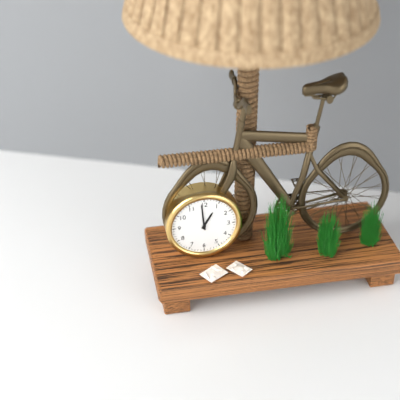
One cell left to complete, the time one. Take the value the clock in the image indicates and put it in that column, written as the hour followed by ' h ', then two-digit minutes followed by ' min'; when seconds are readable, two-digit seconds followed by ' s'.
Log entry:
12 h 59 min
